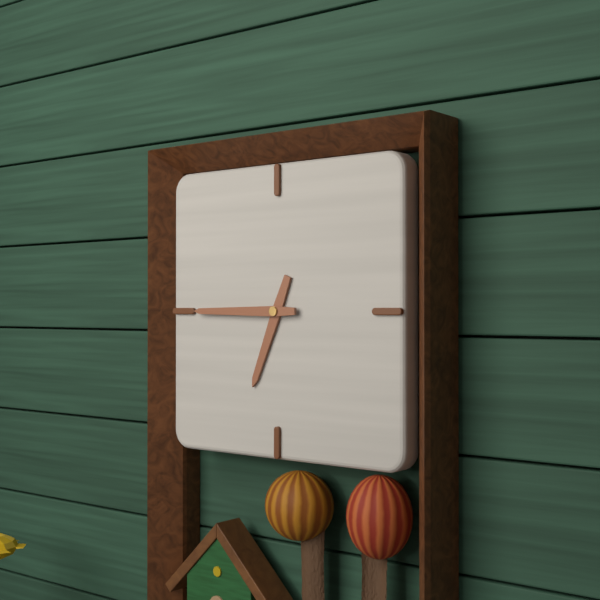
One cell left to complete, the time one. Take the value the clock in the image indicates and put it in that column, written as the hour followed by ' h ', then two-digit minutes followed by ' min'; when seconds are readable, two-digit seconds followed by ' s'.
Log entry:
6 h 45 min
